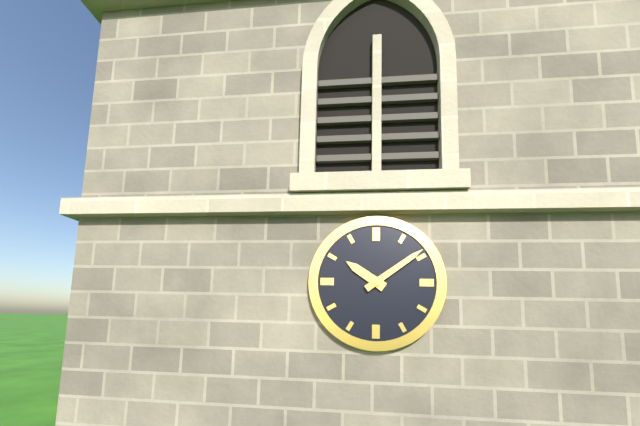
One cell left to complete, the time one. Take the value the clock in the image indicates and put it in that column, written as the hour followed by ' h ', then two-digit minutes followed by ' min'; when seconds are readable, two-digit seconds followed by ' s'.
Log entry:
10 h 09 min
